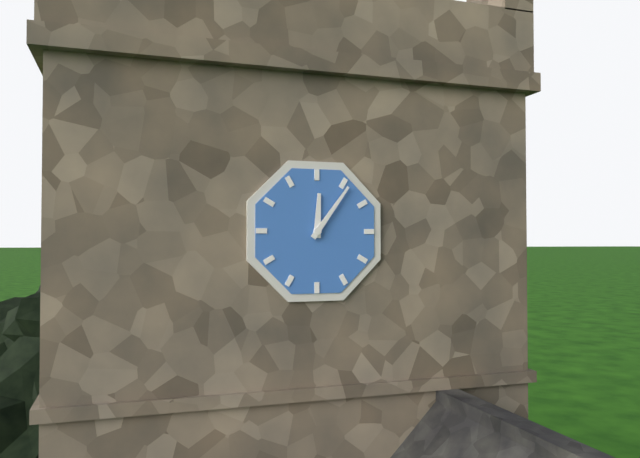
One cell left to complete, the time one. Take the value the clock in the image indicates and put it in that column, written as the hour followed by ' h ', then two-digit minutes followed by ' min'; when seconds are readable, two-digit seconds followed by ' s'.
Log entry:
12 h 06 min
